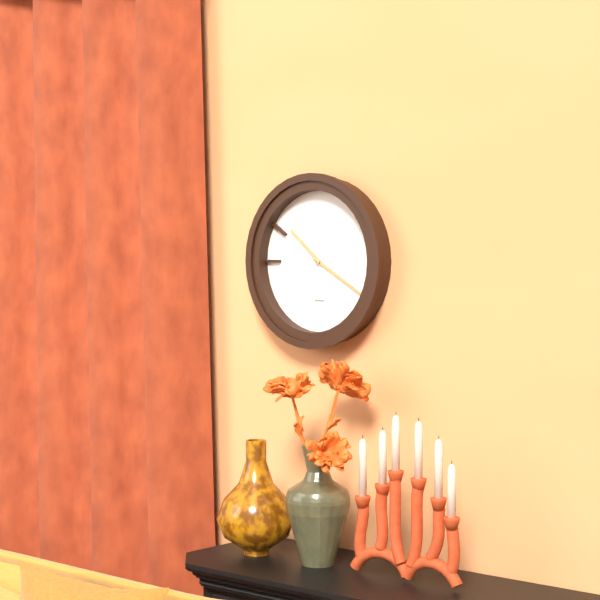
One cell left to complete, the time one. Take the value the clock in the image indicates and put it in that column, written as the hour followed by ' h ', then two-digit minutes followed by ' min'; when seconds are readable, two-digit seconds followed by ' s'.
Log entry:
10 h 20 min
